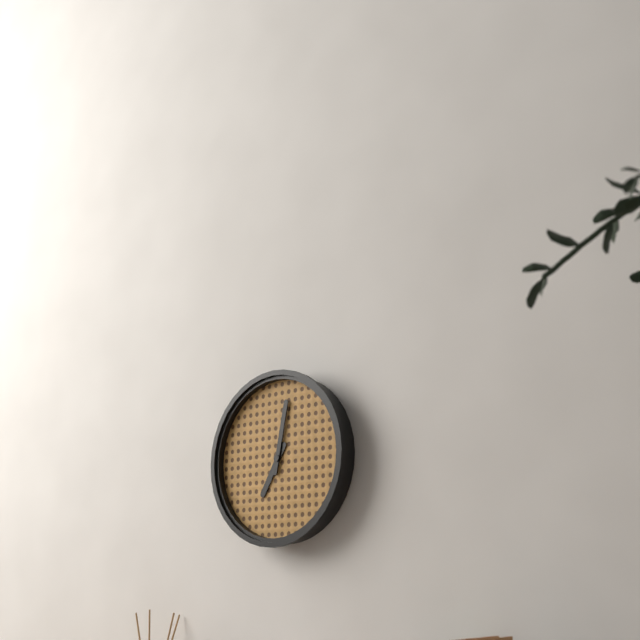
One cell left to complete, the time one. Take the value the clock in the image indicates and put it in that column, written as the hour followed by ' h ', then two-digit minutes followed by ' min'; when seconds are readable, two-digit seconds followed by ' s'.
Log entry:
7 h 02 min
